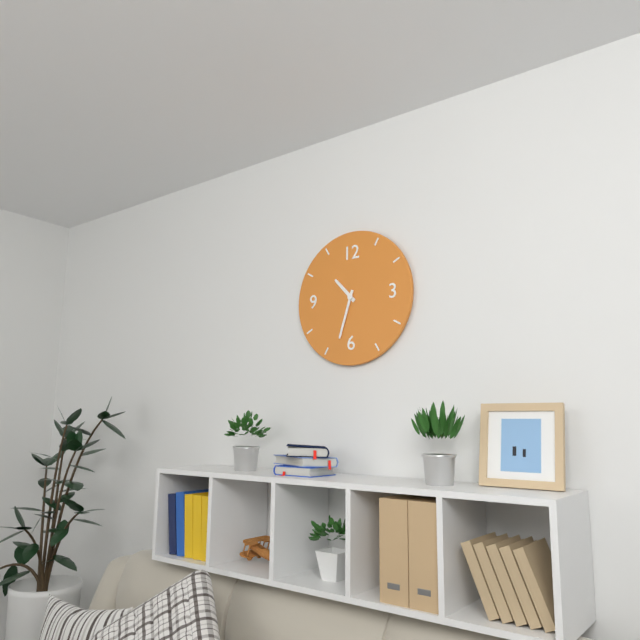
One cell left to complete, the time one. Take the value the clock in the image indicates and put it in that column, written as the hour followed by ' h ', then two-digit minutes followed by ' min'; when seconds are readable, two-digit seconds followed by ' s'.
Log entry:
10 h 33 min
